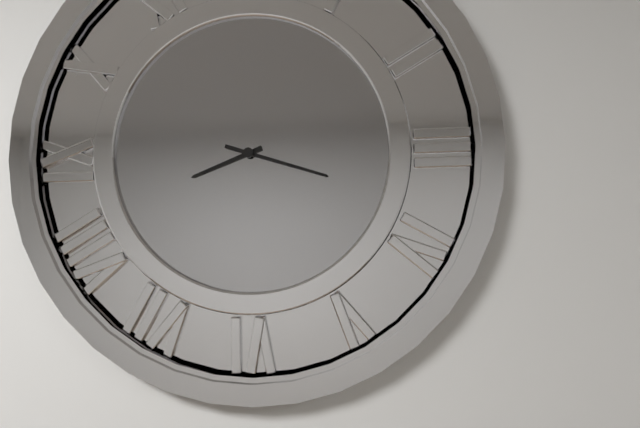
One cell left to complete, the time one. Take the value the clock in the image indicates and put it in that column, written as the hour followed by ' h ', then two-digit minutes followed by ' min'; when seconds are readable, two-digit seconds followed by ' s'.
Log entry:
8 h 18 min
